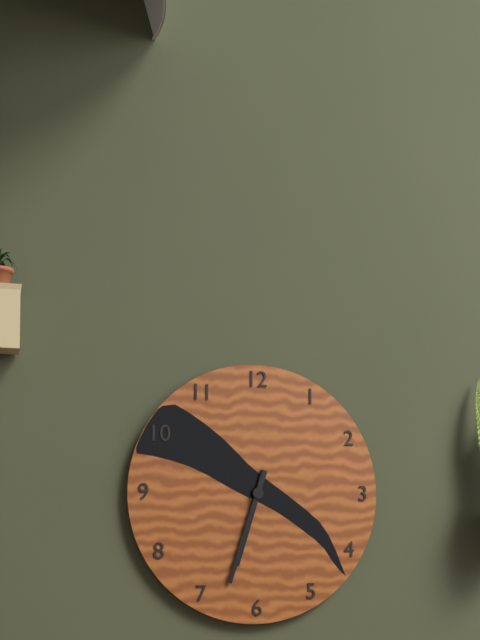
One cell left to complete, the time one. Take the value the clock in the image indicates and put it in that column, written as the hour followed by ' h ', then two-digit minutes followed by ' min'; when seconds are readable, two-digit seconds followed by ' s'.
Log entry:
6 h 33 min
